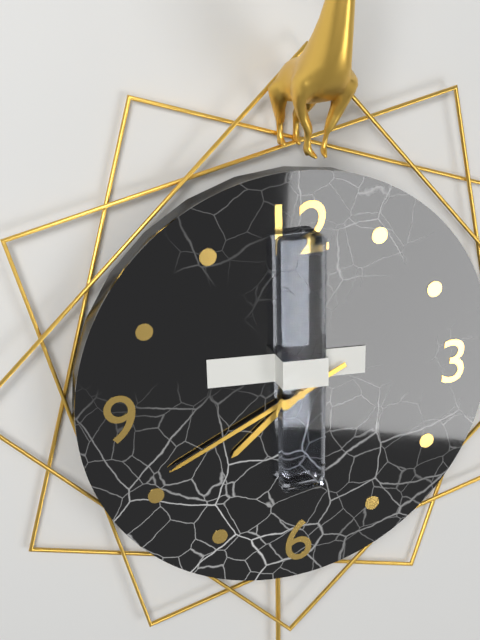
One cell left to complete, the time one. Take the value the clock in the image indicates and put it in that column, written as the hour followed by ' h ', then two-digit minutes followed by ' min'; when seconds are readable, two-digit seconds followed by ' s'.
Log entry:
7 h 41 min
